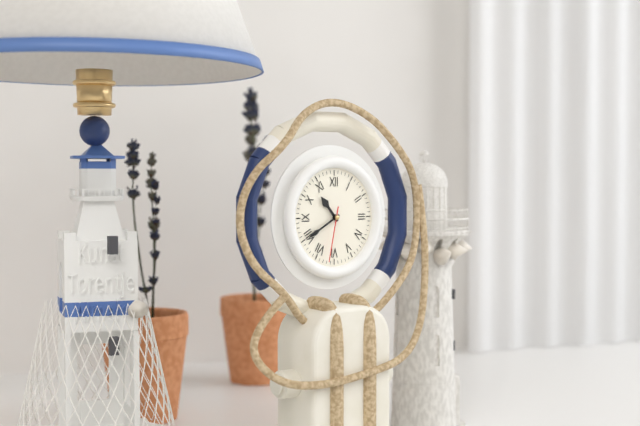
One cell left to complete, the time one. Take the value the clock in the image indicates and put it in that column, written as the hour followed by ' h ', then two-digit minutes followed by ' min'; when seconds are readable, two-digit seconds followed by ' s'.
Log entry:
10 h 40 min 32 s
